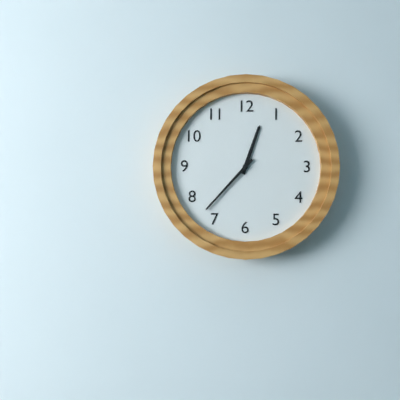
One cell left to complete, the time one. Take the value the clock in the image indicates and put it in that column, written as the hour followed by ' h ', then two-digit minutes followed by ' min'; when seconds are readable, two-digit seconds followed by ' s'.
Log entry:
12 h 37 min
